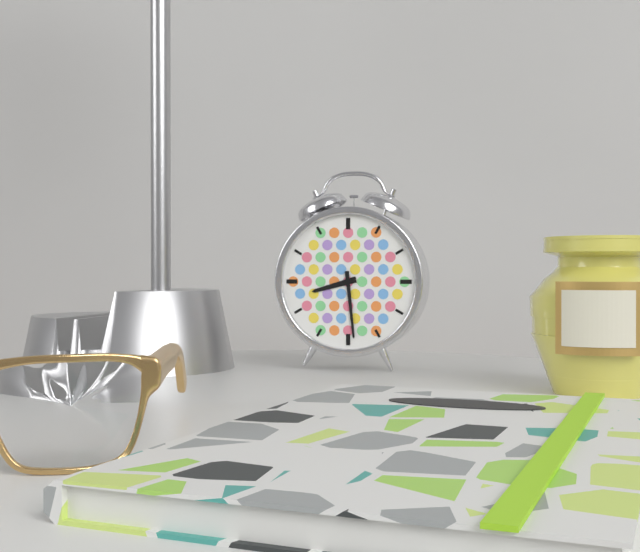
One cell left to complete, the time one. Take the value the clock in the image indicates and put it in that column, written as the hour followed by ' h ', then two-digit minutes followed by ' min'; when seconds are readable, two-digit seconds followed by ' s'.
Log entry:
8 h 29 min
